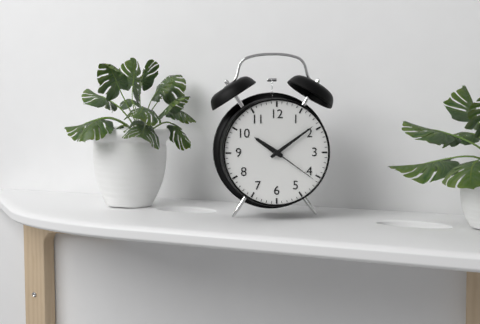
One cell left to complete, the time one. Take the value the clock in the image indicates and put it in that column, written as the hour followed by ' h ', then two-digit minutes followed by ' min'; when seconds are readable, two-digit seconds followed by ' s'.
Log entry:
10 h 09 min 21 s
